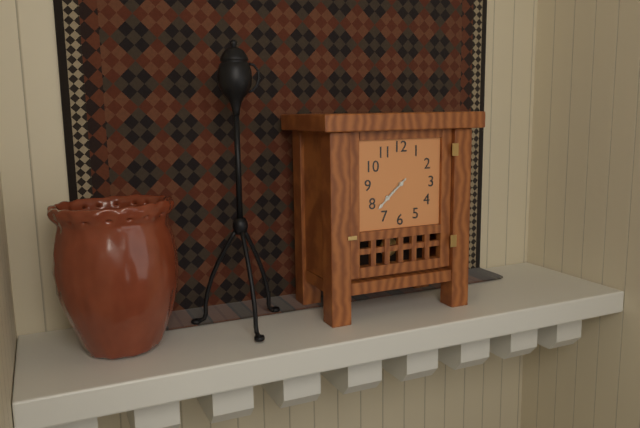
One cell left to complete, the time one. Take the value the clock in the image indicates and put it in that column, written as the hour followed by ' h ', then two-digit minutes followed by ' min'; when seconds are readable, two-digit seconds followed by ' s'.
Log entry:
7 h 38 min
